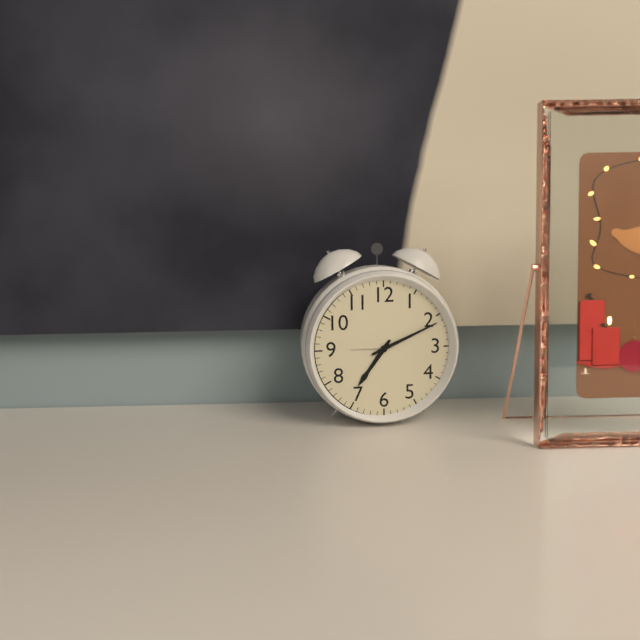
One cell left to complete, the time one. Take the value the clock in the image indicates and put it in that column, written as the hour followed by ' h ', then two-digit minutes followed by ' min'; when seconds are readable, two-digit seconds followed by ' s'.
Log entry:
7 h 11 min
